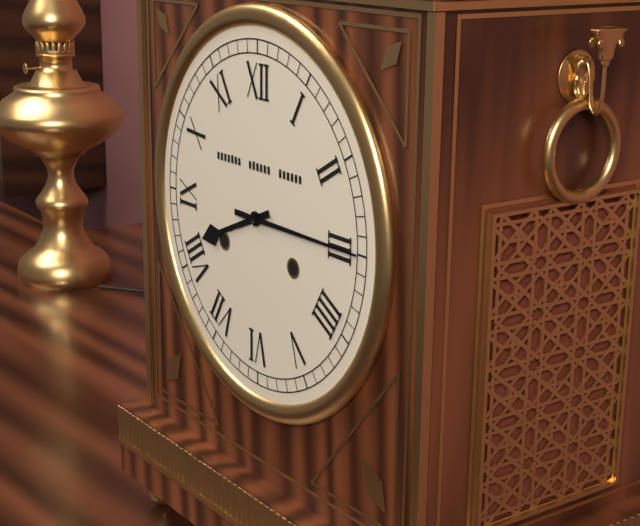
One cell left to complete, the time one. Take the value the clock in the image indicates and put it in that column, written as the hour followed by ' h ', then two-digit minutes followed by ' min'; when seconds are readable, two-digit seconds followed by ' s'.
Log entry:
8 h 15 min
